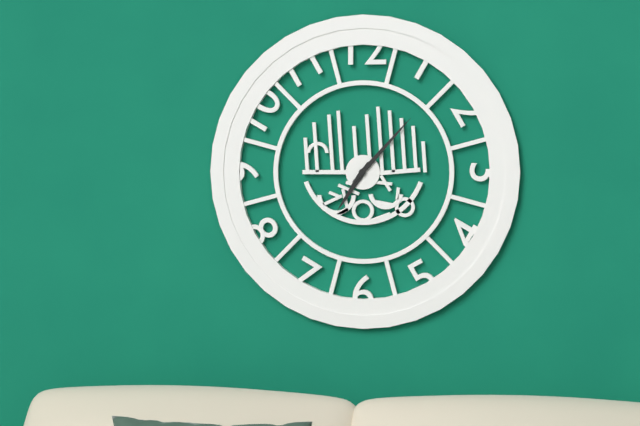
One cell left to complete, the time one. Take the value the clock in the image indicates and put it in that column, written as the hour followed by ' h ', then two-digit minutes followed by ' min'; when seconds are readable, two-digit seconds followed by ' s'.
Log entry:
7 h 07 min
